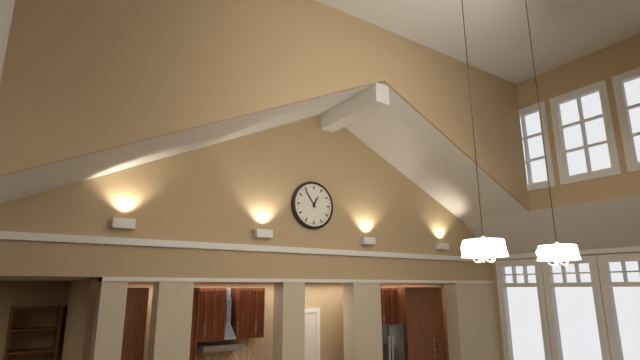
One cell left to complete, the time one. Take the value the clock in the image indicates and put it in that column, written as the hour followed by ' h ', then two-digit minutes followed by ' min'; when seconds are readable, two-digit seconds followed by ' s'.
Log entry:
12 h 54 min
